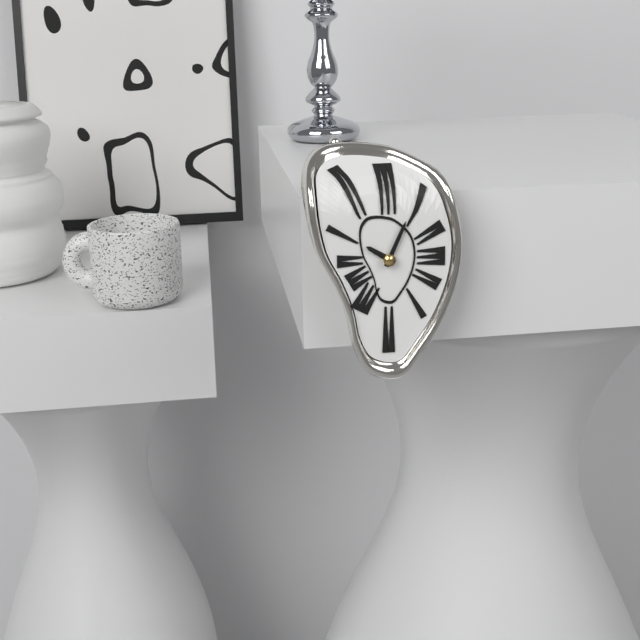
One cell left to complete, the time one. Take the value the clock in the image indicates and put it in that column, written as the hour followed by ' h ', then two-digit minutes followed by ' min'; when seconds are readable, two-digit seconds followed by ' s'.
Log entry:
10 h 04 min
